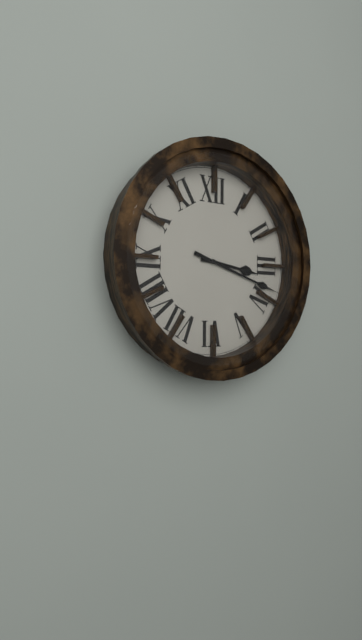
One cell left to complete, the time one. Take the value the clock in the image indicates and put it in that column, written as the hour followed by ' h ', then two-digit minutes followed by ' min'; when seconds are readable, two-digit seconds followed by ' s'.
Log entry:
3 h 18 min
